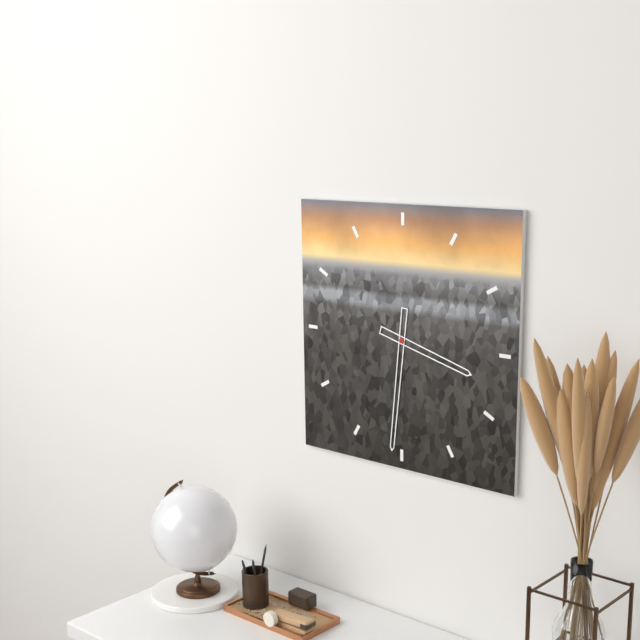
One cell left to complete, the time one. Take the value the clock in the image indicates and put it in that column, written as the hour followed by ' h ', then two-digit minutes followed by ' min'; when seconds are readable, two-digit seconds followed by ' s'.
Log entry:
3 h 31 min
